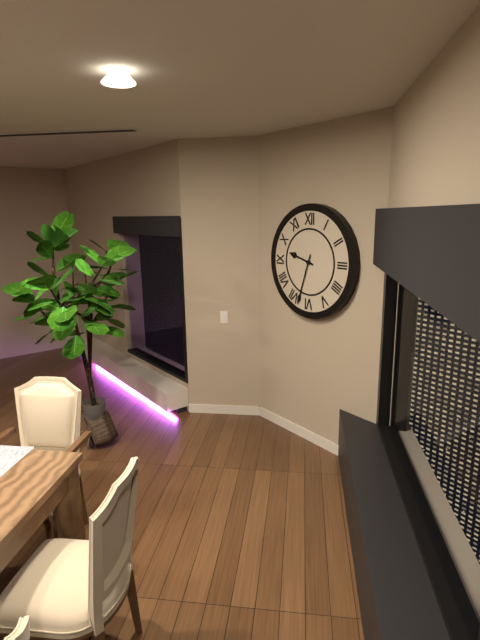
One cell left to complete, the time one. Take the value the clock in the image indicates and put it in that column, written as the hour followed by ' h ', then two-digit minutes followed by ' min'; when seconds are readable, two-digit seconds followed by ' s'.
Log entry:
9 h 33 min
